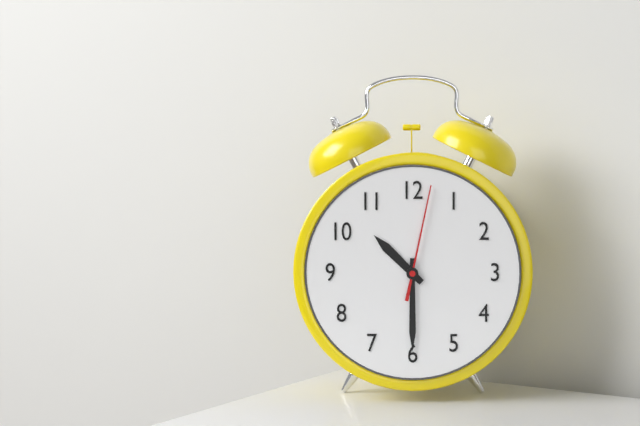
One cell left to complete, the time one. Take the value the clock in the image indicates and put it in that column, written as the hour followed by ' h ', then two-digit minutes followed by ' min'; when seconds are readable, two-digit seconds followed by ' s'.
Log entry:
10 h 30 min 02 s
